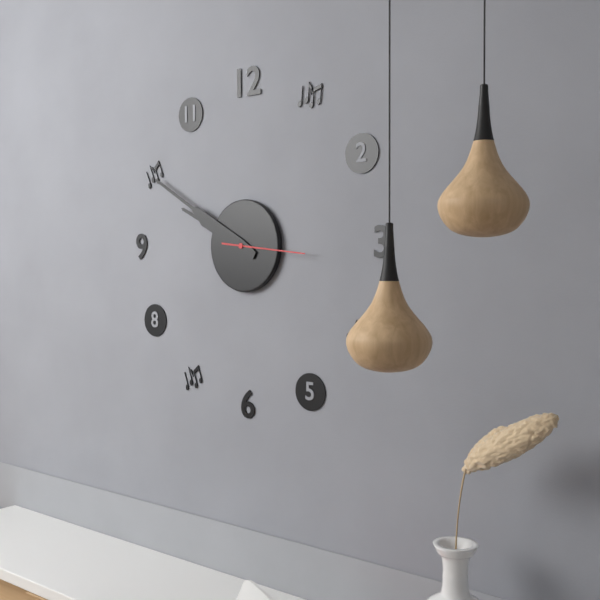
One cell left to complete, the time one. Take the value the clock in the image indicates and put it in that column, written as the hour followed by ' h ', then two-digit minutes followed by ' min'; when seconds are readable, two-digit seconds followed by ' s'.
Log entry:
9 h 50 min 16 s
